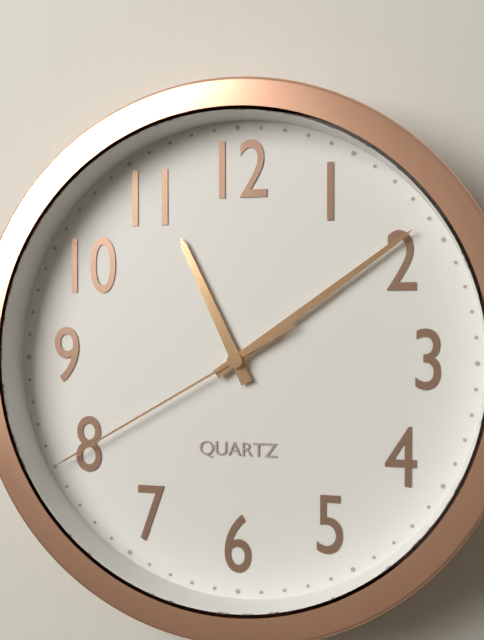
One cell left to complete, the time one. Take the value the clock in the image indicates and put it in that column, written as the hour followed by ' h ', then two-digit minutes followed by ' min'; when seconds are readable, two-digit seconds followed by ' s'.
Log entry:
11 h 09 min 40 s
